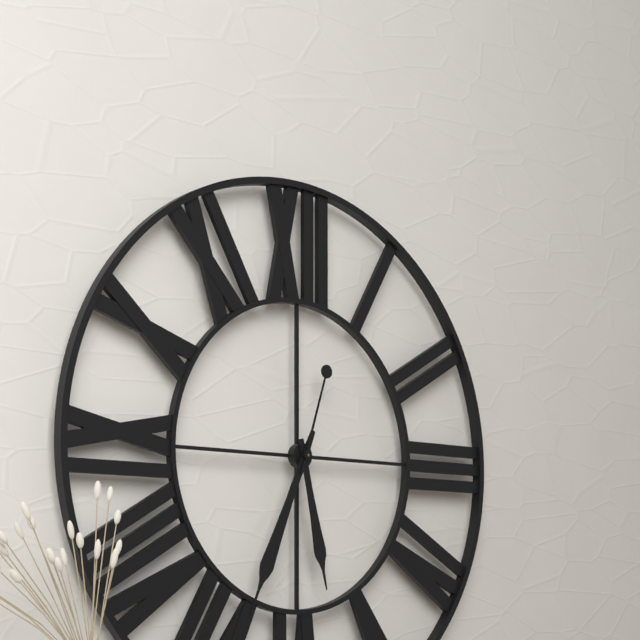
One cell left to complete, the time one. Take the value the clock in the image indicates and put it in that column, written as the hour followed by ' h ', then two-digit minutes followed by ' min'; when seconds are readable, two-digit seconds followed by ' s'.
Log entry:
5 h 34 min 03 s
